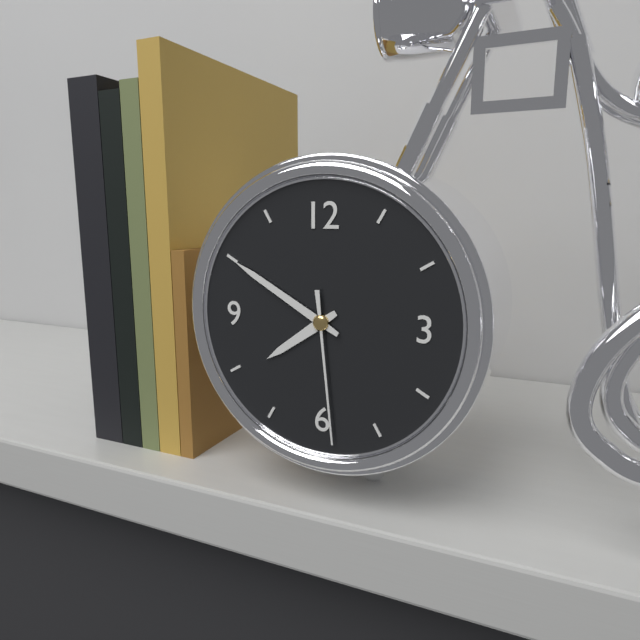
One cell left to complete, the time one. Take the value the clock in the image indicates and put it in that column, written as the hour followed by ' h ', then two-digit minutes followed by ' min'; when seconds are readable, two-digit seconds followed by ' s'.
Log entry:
7 h 50 min 29 s
